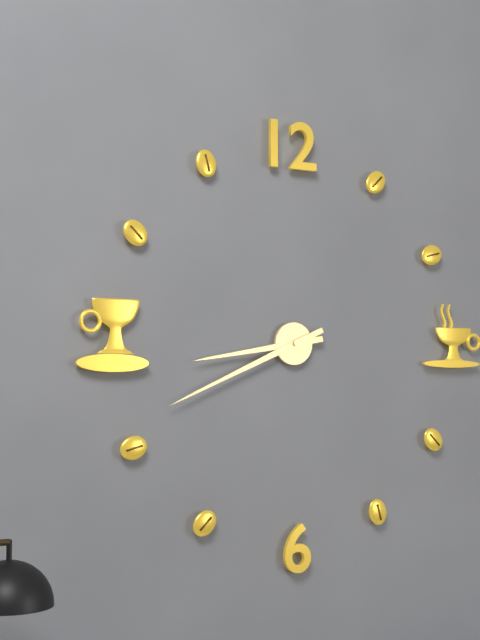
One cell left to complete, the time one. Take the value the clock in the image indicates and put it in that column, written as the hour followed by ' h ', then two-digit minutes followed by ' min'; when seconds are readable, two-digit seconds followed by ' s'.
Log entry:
8 h 41 min
